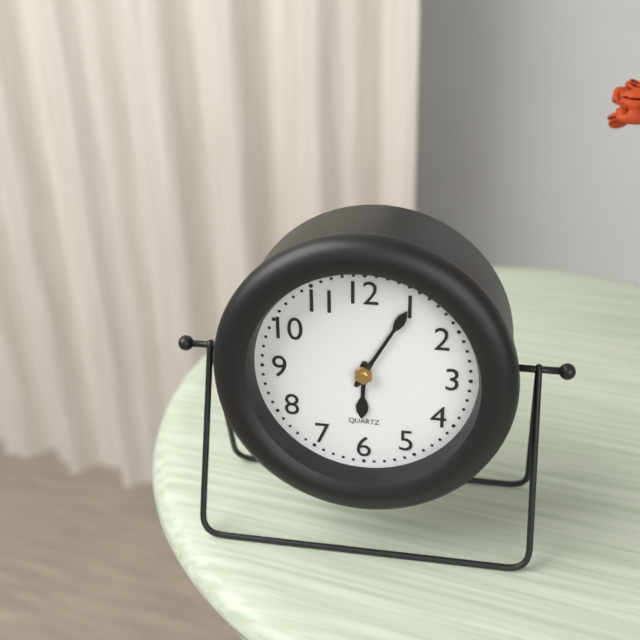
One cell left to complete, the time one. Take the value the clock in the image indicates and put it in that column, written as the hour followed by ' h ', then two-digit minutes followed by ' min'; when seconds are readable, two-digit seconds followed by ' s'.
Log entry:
6 h 05 min
